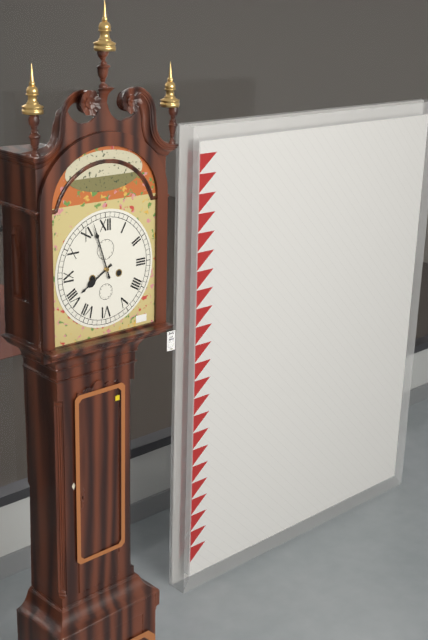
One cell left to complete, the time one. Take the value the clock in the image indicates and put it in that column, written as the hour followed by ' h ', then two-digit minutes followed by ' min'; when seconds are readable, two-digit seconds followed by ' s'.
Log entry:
7 h 57 min
